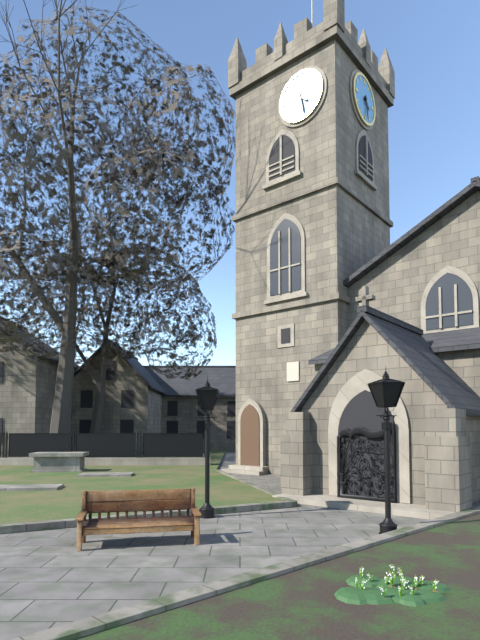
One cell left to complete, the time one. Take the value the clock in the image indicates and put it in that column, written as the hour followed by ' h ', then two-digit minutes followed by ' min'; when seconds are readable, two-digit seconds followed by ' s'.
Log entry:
4 h 28 min
